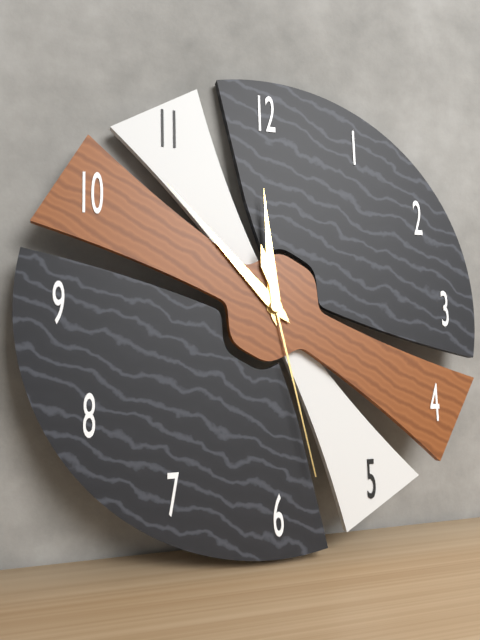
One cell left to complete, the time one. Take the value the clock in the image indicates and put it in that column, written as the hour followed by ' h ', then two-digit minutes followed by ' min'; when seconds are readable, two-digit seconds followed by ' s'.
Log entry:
11 h 53 min 28 s
